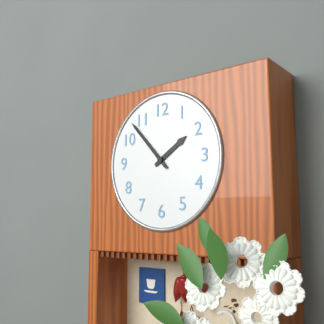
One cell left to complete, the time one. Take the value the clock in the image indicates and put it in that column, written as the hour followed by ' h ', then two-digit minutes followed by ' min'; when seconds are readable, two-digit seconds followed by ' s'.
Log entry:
1 h 53 min
